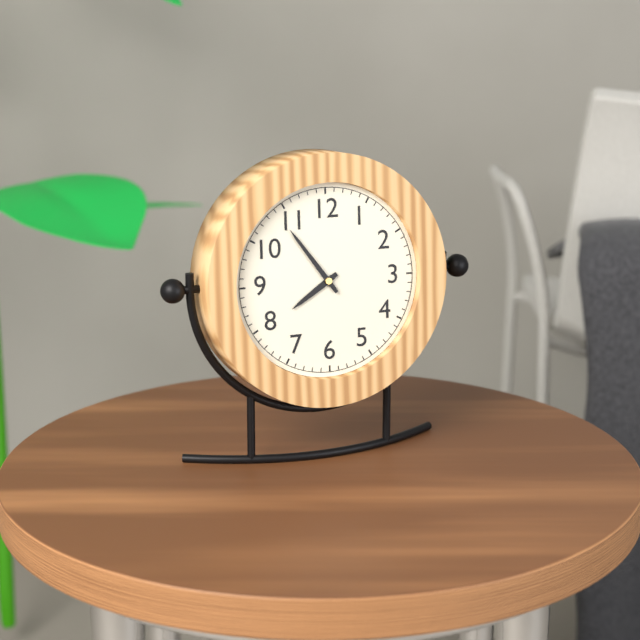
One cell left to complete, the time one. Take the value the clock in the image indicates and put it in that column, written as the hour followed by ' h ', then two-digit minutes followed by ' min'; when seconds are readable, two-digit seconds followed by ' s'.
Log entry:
7 h 54 min
